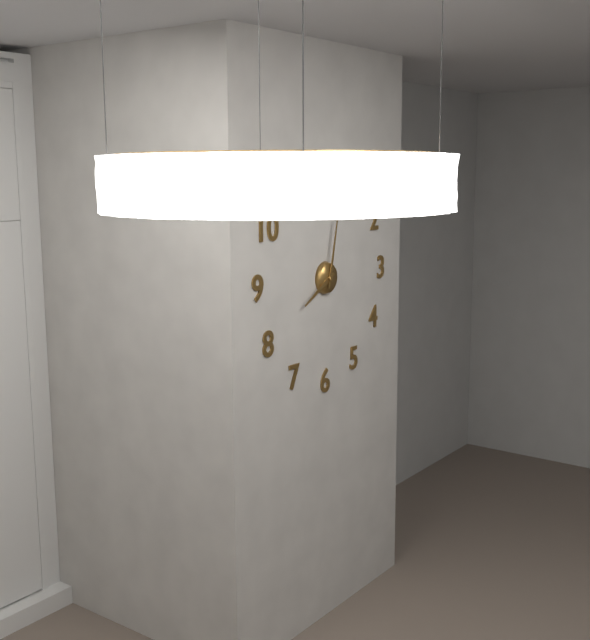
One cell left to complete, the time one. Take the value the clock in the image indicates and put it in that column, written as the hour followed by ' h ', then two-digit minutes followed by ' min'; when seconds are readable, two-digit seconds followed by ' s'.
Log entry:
8 h 02 min
